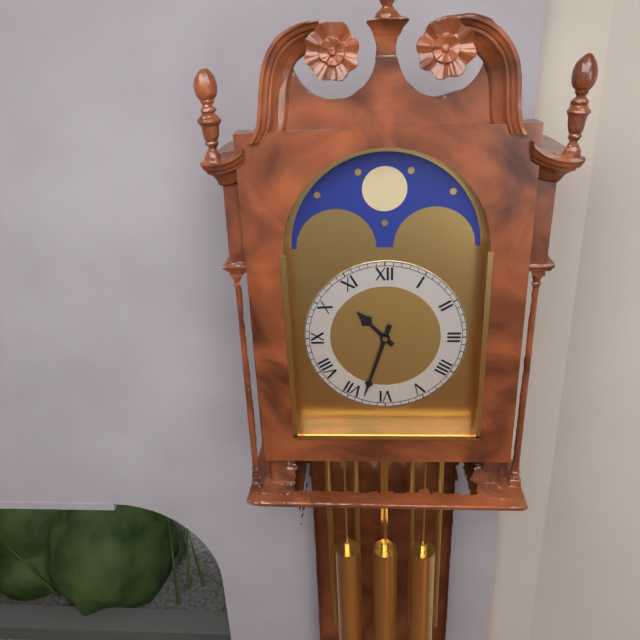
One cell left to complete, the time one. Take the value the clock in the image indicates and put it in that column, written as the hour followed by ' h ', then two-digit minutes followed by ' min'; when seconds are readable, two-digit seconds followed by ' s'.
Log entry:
10 h 33 min
